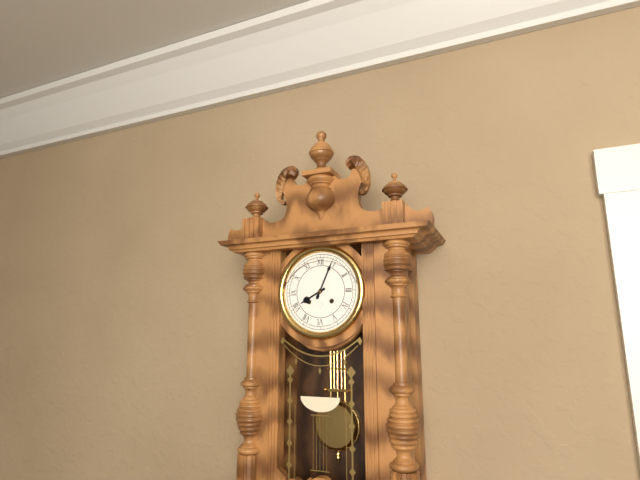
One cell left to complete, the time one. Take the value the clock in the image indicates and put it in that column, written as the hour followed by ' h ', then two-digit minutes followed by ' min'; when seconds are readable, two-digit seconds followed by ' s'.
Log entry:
8 h 04 min
